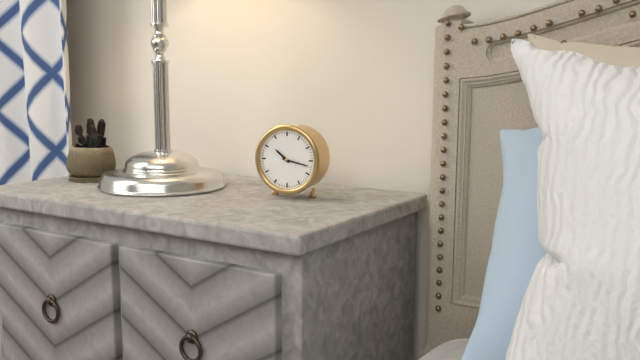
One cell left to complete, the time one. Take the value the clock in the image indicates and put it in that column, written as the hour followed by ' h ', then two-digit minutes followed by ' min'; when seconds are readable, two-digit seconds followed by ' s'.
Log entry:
10 h 17 min
